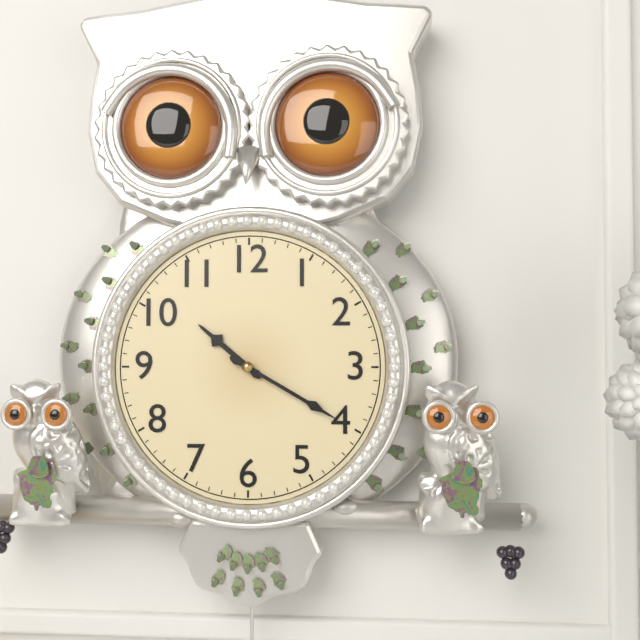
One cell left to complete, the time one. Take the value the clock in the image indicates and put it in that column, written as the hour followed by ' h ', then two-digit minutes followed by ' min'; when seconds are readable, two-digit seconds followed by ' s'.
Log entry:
10 h 20 min
